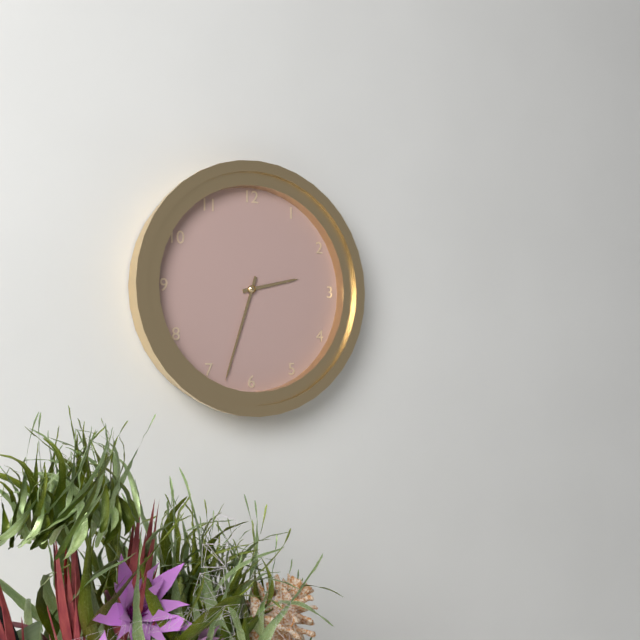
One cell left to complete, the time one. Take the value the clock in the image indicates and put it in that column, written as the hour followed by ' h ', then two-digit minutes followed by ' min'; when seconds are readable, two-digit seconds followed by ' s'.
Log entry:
2 h 33 min
